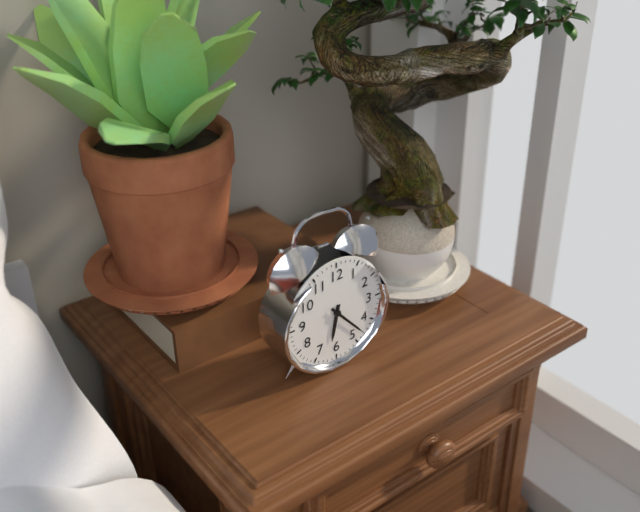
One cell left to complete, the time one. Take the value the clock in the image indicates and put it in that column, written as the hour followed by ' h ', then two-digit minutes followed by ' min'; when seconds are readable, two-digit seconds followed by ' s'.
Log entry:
6 h 23 min
